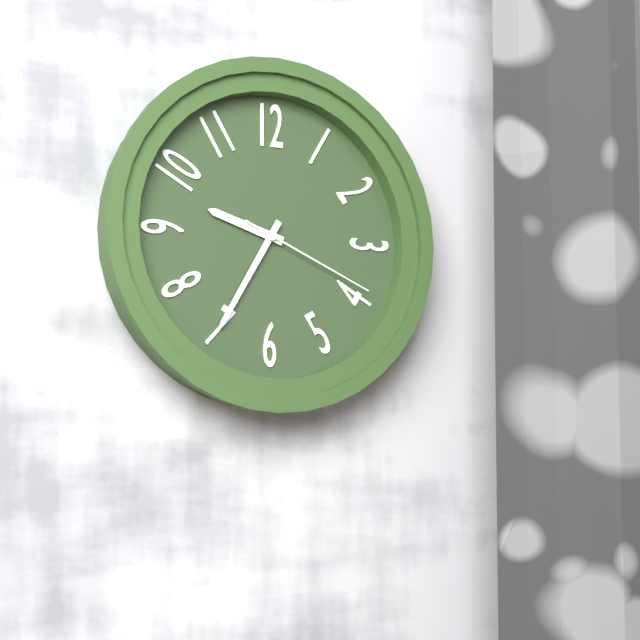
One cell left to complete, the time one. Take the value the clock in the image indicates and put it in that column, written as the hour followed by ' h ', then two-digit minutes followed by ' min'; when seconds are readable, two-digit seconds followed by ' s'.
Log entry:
9 h 35 min 19 s
